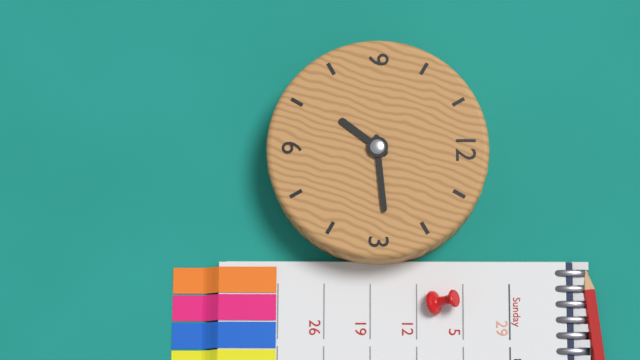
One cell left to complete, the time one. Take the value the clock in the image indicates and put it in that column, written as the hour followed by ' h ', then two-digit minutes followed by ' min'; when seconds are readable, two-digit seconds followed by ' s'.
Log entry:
7 h 14 min
